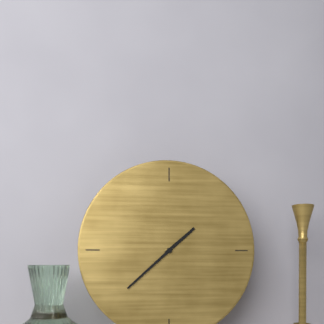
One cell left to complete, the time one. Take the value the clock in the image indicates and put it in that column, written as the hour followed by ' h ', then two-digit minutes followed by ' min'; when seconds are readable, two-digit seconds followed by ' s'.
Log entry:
1 h 38 min
